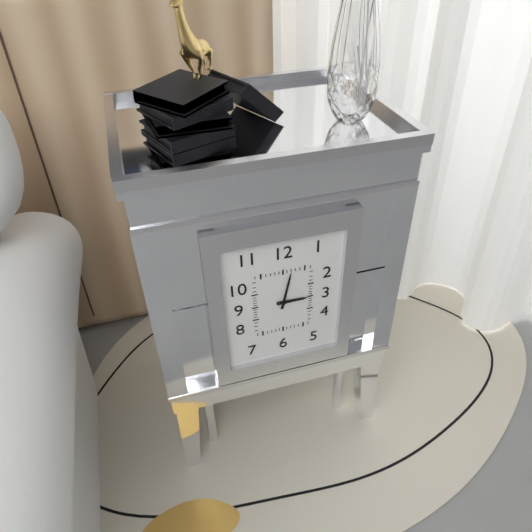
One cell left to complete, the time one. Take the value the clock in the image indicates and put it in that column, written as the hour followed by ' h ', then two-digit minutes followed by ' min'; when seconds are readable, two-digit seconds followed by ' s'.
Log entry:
3 h 02 min
